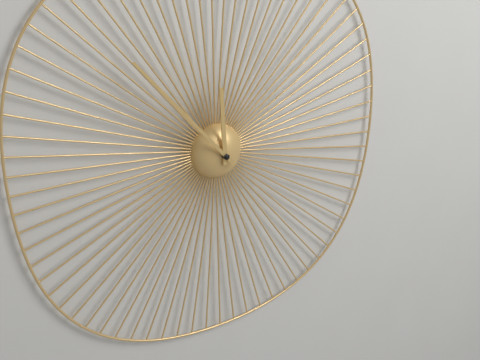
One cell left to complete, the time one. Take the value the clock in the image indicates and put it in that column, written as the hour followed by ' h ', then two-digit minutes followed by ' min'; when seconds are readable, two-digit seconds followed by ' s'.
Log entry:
11 h 53 min
